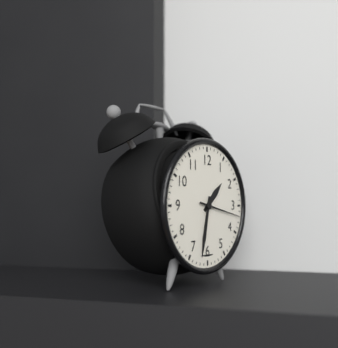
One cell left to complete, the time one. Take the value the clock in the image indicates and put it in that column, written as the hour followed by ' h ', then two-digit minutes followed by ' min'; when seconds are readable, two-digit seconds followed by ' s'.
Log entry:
1 h 32 min
